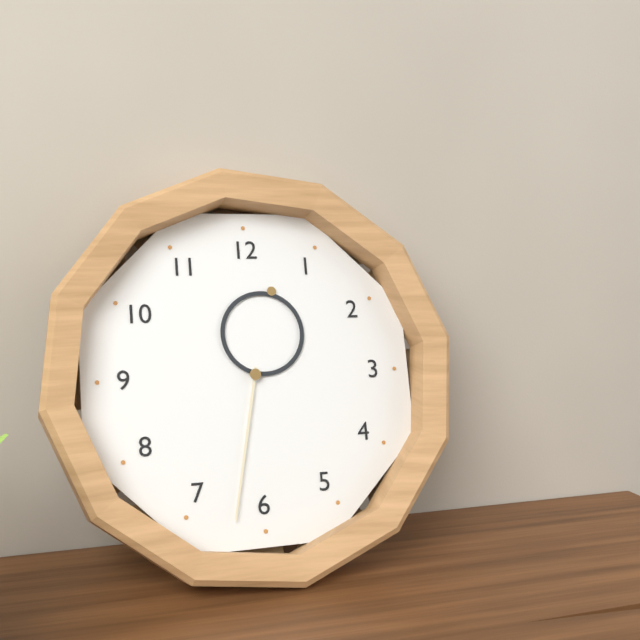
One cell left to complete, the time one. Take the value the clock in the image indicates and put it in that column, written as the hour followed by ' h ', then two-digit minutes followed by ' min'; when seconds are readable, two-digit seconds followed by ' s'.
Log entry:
12 h 32 min
